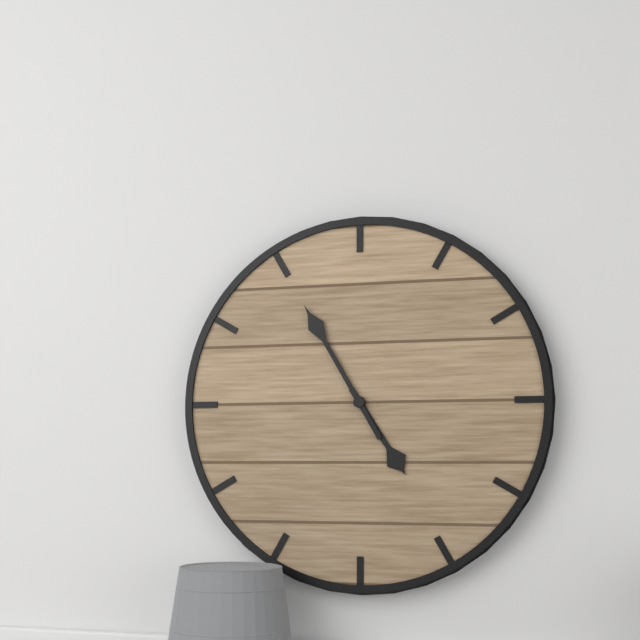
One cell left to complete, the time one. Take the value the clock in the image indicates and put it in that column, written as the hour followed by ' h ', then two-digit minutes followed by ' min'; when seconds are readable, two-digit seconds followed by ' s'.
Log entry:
4 h 55 min
